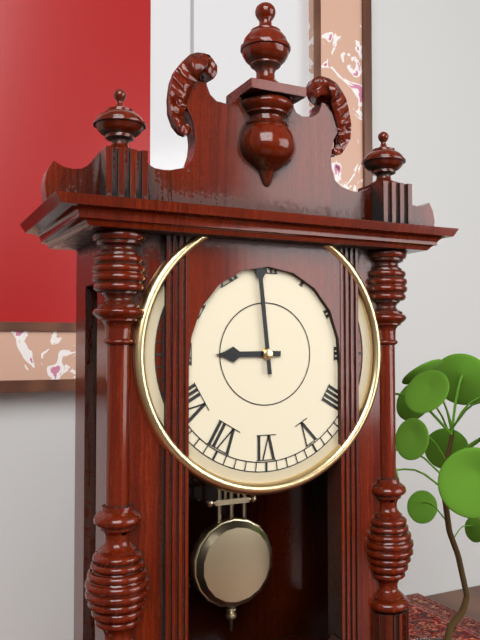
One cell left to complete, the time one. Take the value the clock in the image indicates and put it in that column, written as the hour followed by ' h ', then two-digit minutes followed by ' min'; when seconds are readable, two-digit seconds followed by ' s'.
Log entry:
8 h 59 min
